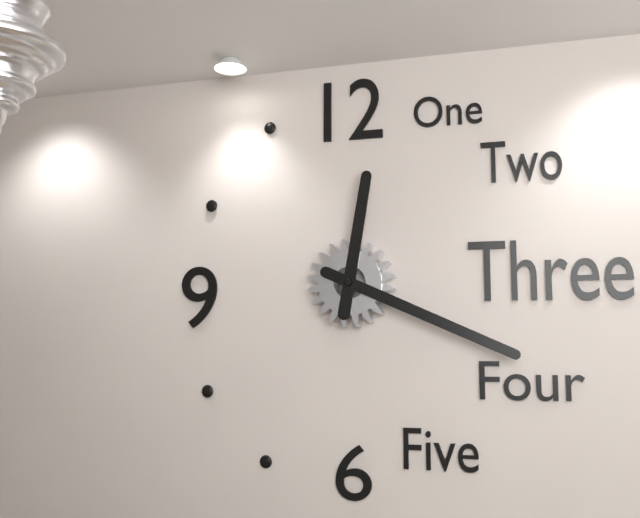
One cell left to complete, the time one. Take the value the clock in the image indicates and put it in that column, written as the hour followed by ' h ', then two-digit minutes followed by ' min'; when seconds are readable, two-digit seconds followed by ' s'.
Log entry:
12 h 19 min
